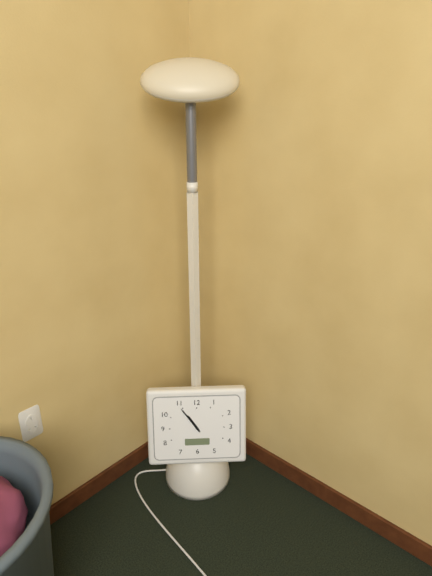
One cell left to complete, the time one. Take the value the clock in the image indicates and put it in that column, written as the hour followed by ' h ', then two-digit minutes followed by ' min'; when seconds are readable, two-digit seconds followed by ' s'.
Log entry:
10 h 54 min
